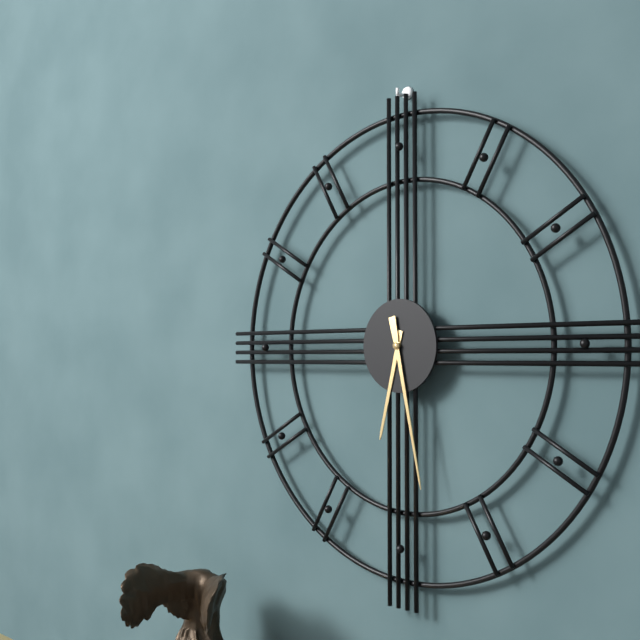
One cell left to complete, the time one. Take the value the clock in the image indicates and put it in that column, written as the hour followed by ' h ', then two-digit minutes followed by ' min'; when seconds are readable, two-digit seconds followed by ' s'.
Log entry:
6 h 28 min
